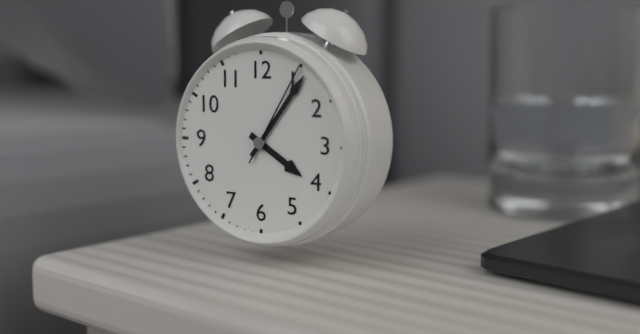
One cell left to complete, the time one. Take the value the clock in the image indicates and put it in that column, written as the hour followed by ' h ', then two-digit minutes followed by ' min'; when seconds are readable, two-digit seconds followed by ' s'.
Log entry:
4 h 06 min 05 s
